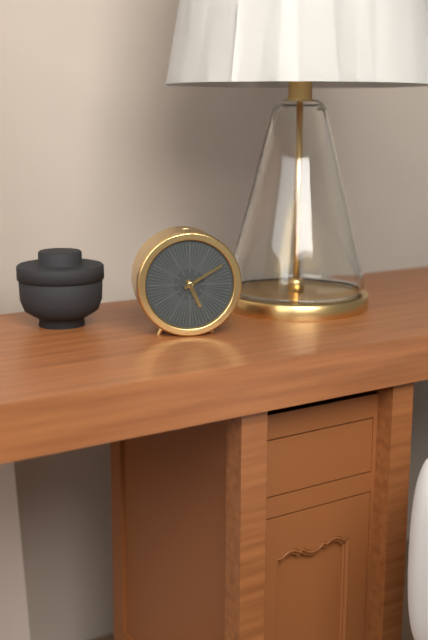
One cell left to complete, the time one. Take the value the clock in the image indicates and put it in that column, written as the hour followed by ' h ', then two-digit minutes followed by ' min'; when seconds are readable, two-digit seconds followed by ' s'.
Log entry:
5 h 10 min
